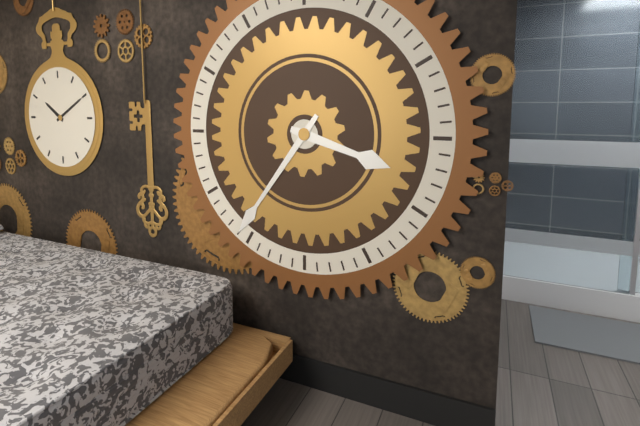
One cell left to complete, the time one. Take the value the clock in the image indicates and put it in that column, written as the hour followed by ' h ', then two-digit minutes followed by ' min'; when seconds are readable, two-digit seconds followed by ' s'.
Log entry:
3 h 36 min
